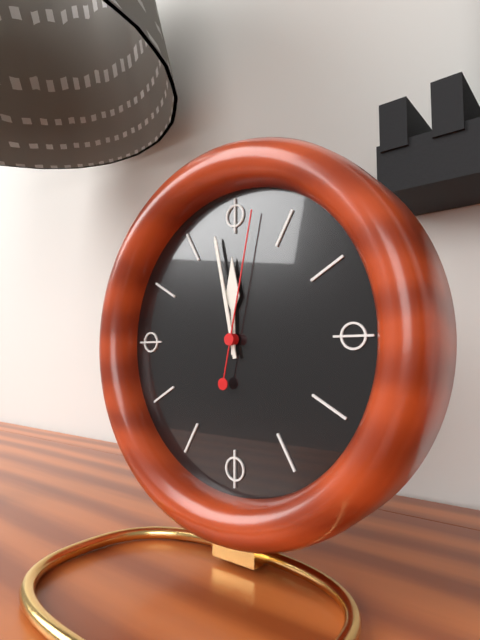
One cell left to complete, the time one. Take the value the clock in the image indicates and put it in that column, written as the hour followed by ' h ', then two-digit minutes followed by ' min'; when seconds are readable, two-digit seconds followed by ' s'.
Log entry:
11 h 58 min 02 s
